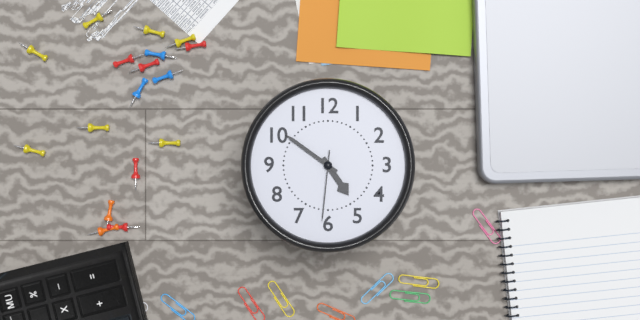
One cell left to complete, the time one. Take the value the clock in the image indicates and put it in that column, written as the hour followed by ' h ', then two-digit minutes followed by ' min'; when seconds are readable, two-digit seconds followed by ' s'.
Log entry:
4 h 51 min 31 s
